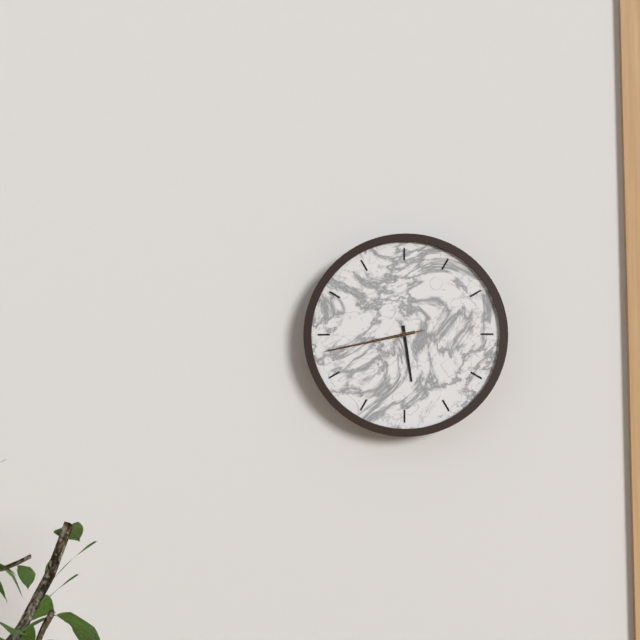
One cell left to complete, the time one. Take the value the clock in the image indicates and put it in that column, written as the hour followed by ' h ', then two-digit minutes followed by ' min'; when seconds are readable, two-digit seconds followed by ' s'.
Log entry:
5 h 43 min 43 s
